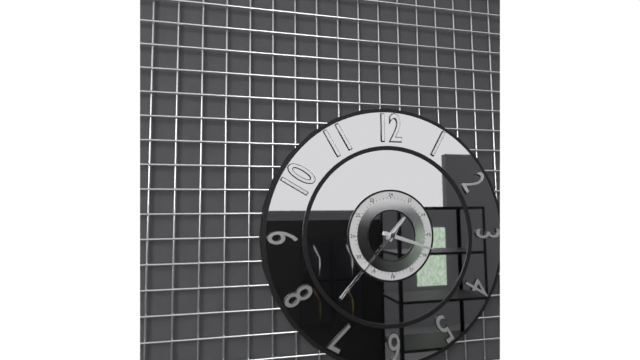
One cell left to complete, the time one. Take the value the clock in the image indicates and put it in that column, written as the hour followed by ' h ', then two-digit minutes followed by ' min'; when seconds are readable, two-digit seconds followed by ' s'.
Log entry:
1 h 18 min 37 s
